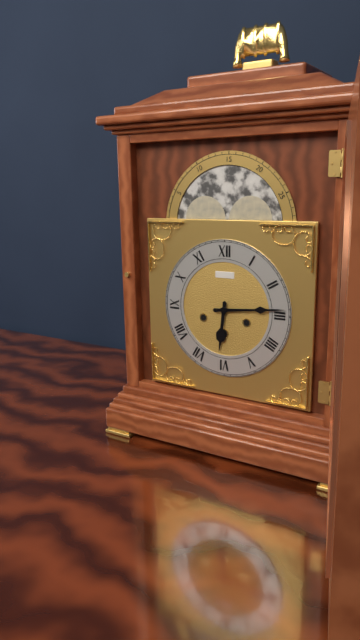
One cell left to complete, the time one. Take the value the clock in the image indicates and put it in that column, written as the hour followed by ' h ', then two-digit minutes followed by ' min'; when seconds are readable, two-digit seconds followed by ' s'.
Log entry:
6 h 14 min
